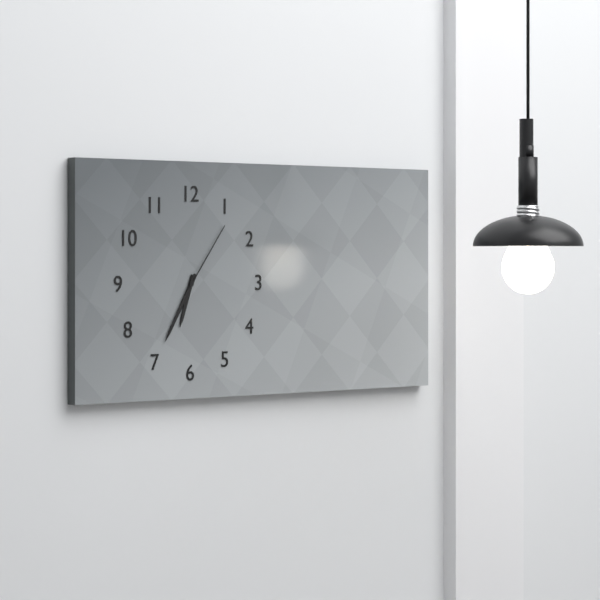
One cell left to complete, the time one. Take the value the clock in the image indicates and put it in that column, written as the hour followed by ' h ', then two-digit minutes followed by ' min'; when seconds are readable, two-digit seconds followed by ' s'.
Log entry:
6 h 35 min 06 s
